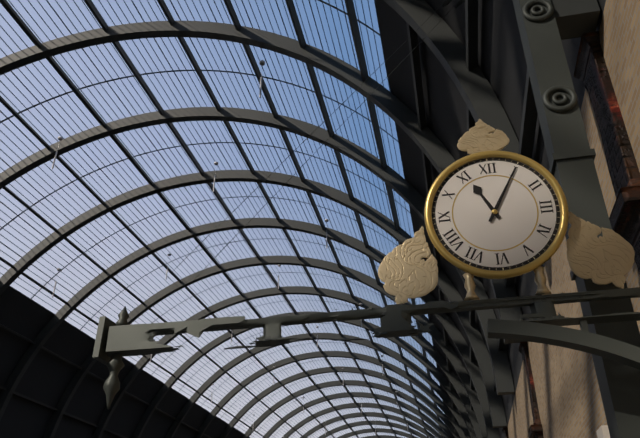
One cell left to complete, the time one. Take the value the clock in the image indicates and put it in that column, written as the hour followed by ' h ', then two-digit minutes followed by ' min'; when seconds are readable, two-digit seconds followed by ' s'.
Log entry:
11 h 05 min
